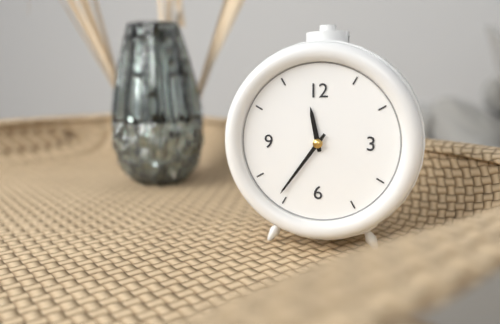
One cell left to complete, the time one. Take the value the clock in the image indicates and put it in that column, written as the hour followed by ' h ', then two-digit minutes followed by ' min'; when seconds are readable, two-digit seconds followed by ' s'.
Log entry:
11 h 36 min
